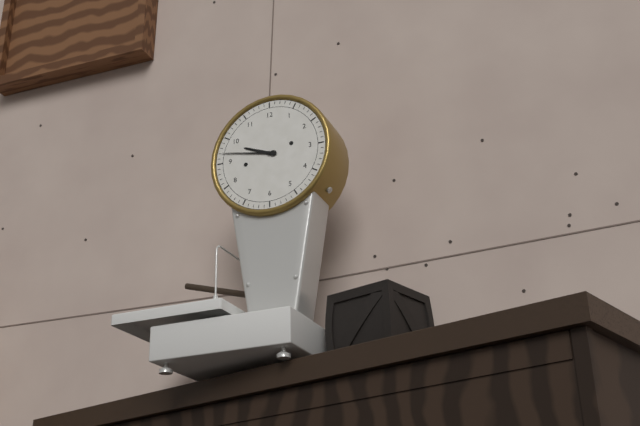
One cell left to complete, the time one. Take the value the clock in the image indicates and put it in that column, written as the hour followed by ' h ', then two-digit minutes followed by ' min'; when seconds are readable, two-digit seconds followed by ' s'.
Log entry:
9 h 47 min
